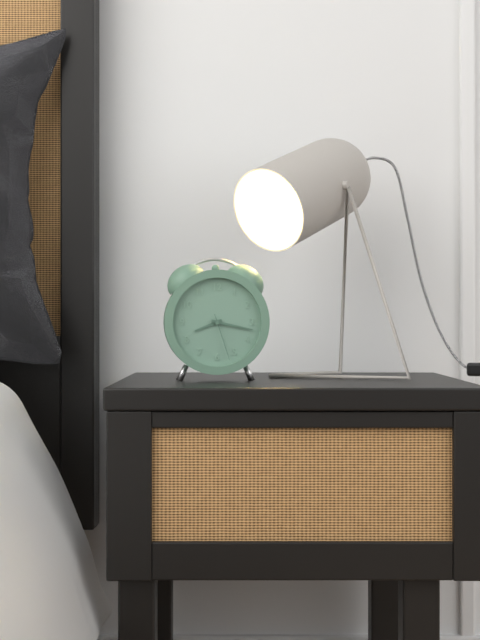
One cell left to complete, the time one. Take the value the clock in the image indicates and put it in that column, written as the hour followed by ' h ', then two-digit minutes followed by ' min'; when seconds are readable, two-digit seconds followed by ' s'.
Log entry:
8 h 17 min
